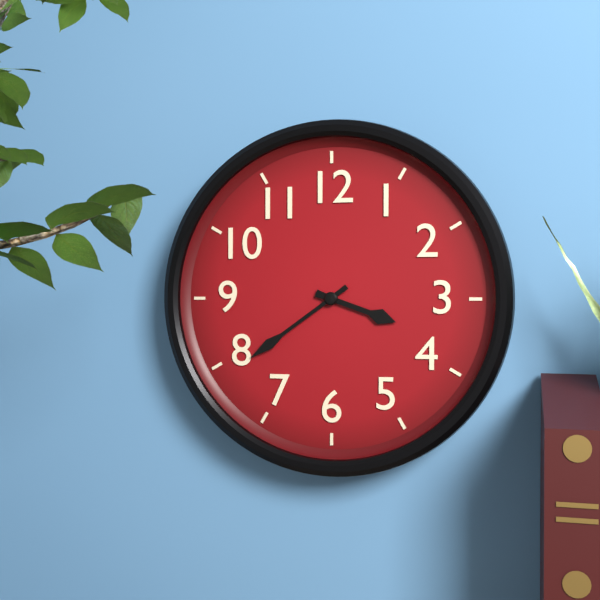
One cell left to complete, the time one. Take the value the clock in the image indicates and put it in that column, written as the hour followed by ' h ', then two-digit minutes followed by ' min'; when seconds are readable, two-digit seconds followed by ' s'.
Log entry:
3 h 39 min
